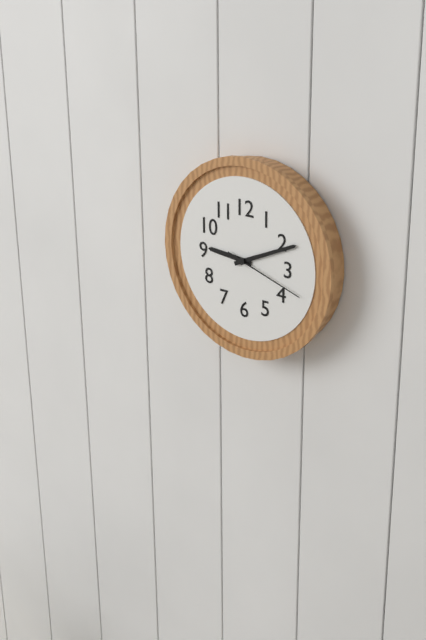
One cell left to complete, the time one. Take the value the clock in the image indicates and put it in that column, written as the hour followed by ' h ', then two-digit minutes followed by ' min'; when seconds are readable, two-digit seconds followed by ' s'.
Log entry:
9 h 11 min 18 s
